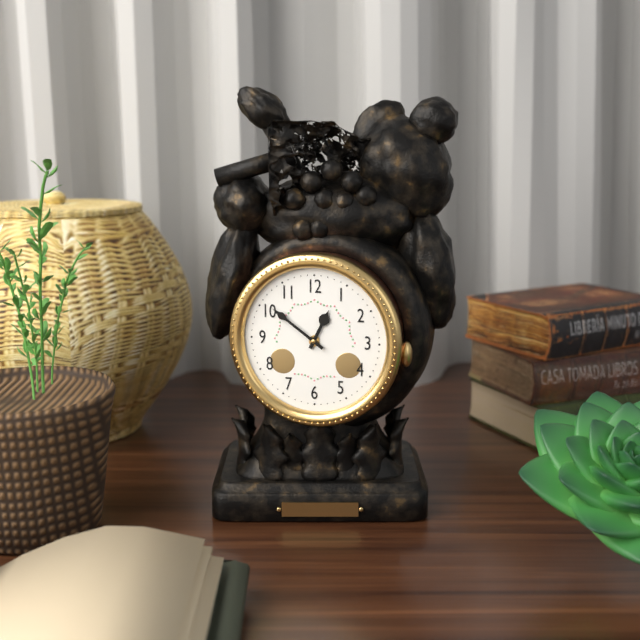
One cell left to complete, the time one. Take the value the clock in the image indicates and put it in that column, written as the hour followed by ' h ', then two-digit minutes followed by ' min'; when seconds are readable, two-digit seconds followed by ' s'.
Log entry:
12 h 51 min
